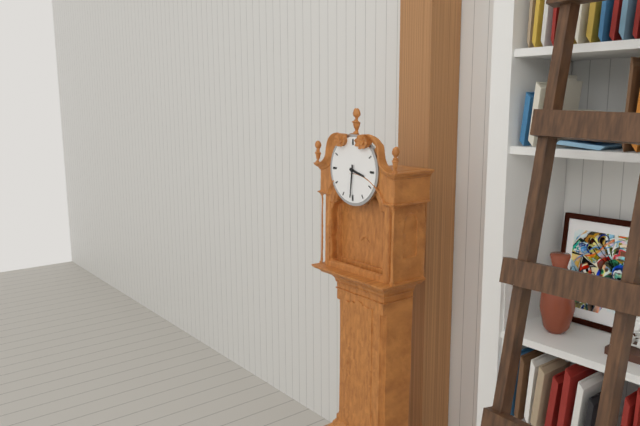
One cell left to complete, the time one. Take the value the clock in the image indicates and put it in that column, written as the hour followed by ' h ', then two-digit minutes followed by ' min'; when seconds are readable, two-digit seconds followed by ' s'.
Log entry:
3 h 31 min
